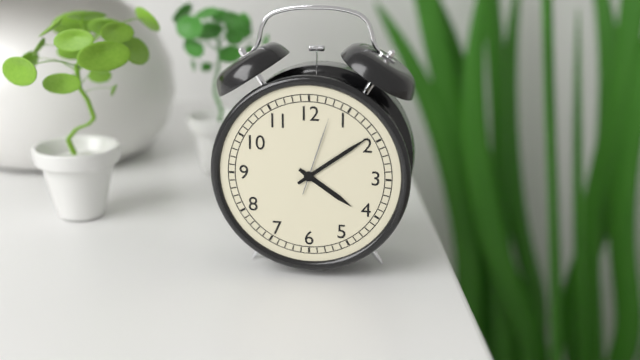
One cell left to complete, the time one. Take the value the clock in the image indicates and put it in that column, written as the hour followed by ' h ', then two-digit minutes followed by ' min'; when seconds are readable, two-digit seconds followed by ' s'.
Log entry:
4 h 09 min 03 s
